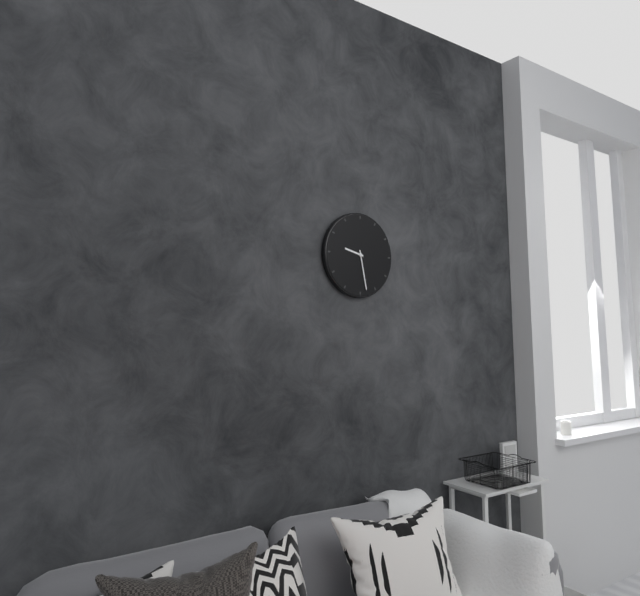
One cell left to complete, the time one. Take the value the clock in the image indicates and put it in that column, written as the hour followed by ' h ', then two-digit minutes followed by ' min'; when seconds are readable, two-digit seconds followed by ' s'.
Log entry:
9 h 28 min
